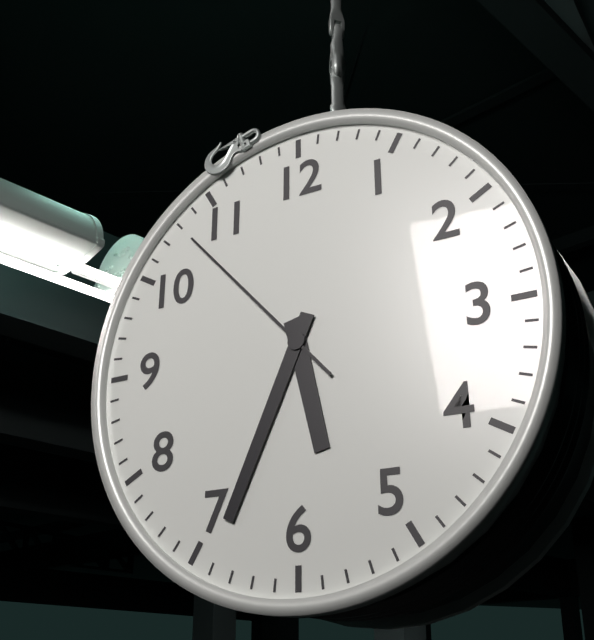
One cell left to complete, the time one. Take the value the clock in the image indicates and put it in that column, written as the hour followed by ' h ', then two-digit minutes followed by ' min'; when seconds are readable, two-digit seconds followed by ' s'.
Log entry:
5 h 34 min 53 s
